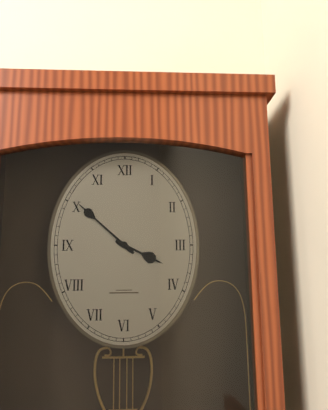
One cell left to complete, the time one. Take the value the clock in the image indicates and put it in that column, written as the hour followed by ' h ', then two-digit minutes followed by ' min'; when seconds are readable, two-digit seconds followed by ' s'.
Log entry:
3 h 52 min
